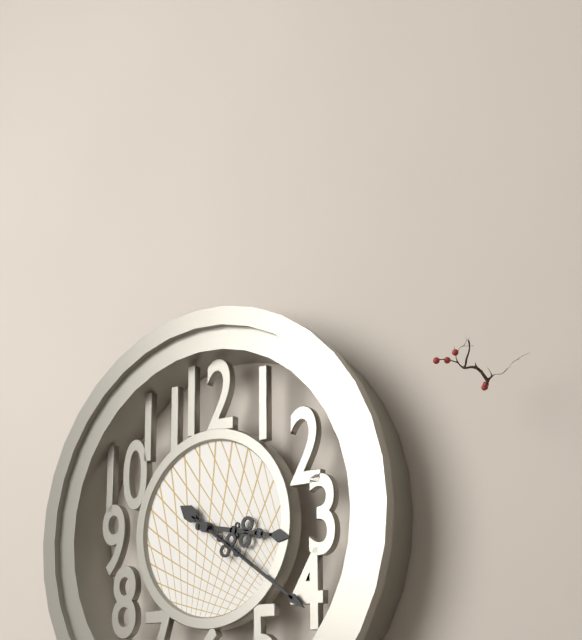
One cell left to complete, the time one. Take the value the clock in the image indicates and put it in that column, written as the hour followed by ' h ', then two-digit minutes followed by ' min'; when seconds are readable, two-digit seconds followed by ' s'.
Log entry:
3 h 21 min
